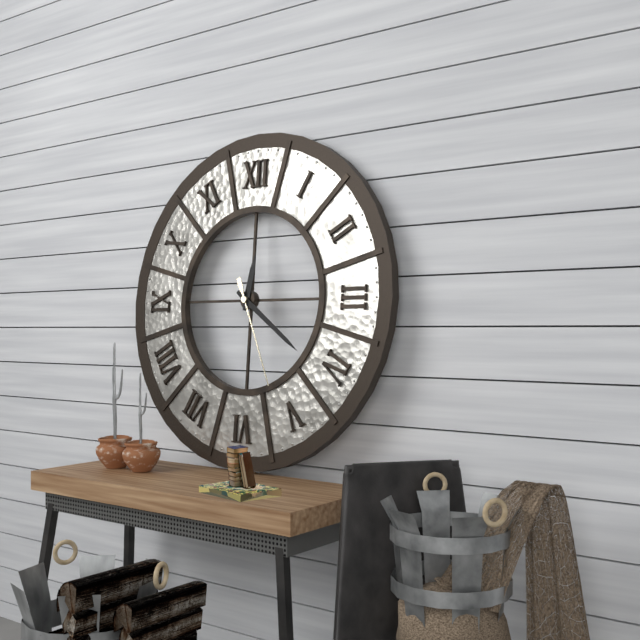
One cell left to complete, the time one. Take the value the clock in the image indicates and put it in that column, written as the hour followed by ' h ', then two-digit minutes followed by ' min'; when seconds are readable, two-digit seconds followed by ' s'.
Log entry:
12 h 21 min 26 s
